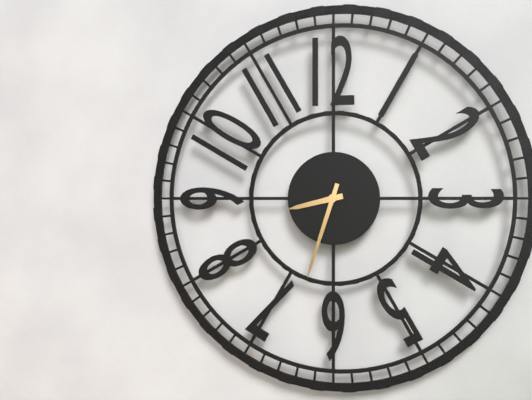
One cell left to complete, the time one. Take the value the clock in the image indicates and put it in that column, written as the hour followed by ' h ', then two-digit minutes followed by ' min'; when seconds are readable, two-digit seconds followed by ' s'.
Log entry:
8 h 33 min
